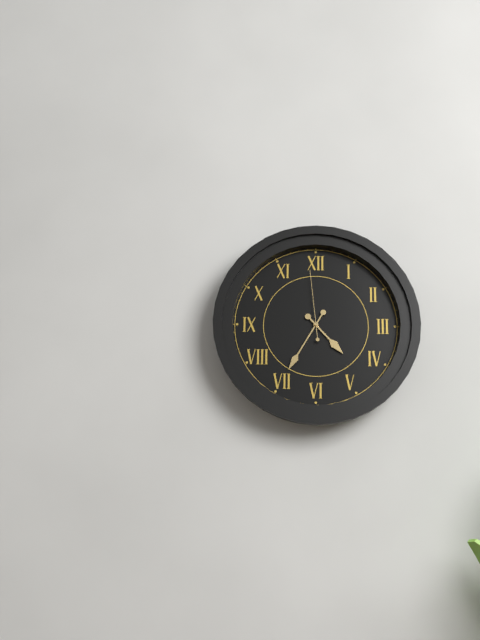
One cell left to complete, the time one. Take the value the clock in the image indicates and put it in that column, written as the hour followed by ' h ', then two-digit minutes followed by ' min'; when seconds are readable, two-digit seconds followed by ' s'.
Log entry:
4 h 35 min 59 s
